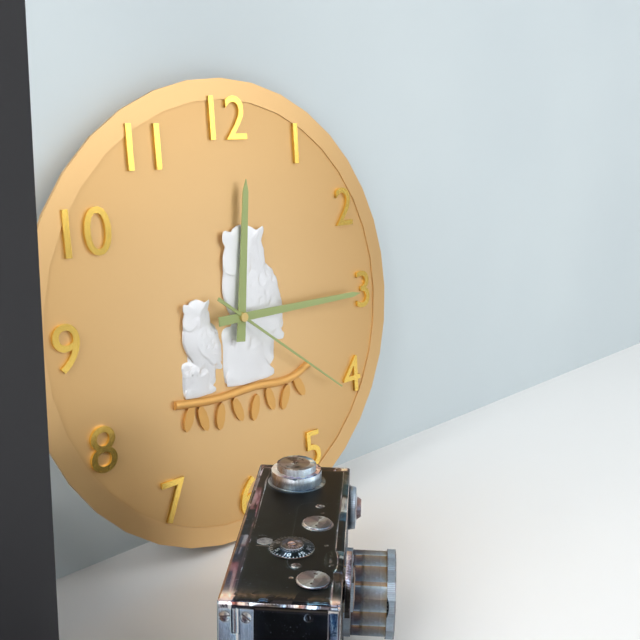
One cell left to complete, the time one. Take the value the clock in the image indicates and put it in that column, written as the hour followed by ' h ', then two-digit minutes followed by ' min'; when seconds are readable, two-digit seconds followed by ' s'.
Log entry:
12 h 15 min 21 s
